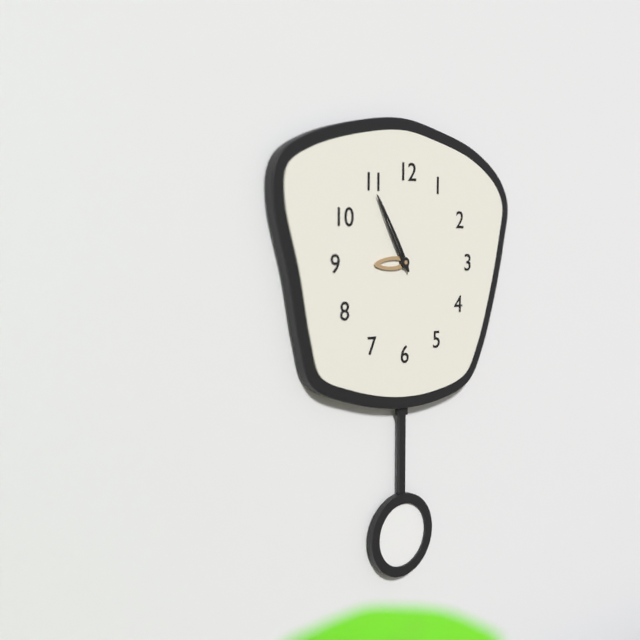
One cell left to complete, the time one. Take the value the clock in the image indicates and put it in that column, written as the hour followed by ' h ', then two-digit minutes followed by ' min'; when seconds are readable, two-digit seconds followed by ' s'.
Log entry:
8 h 55 min
